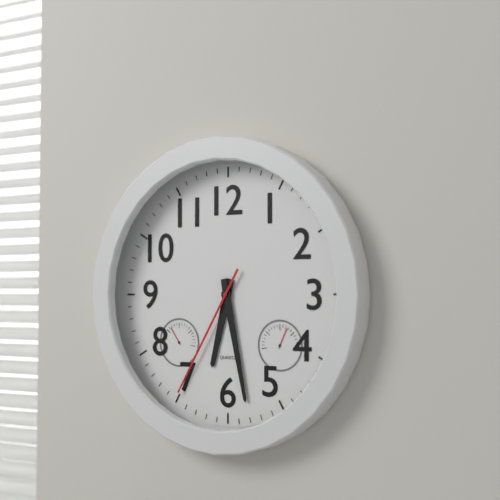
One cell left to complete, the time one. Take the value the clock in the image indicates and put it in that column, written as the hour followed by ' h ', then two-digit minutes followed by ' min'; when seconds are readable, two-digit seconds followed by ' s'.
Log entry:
6 h 28 min 35 s
